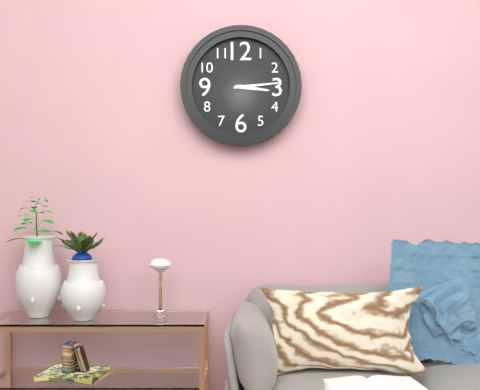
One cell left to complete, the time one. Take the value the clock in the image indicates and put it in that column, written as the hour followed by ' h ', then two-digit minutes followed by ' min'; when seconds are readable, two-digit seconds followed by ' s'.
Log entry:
3 h 14 min
